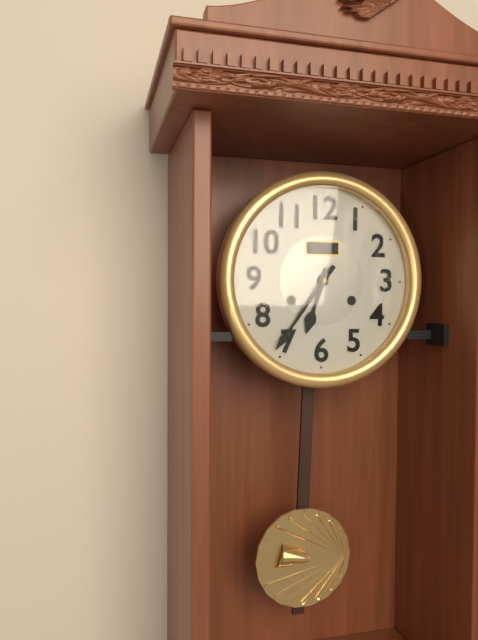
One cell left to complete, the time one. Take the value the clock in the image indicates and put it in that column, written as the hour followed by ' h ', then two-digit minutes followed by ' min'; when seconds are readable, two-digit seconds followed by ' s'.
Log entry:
6 h 36 min
